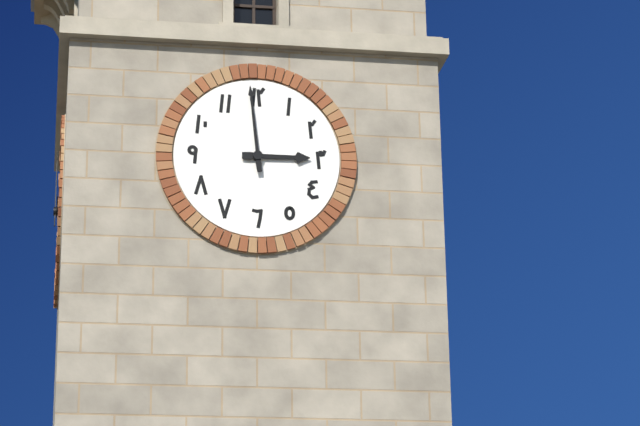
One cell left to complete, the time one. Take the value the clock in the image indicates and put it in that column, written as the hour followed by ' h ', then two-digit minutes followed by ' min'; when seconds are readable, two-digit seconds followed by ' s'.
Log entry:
2 h 59 min
